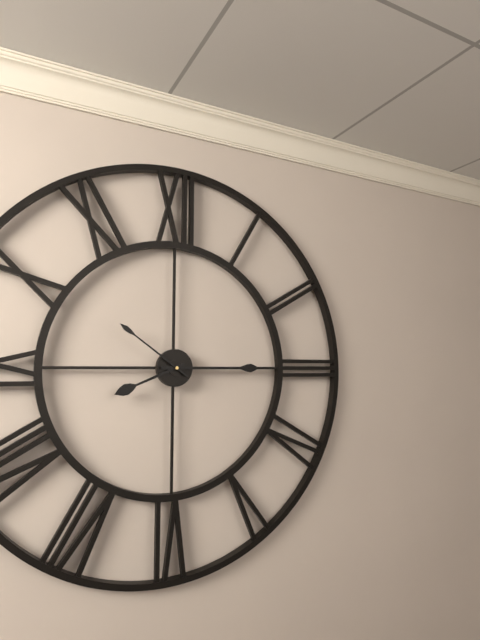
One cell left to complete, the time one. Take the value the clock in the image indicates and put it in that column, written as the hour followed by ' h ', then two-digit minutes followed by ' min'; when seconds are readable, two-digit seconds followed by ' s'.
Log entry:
8 h 15 min 51 s
